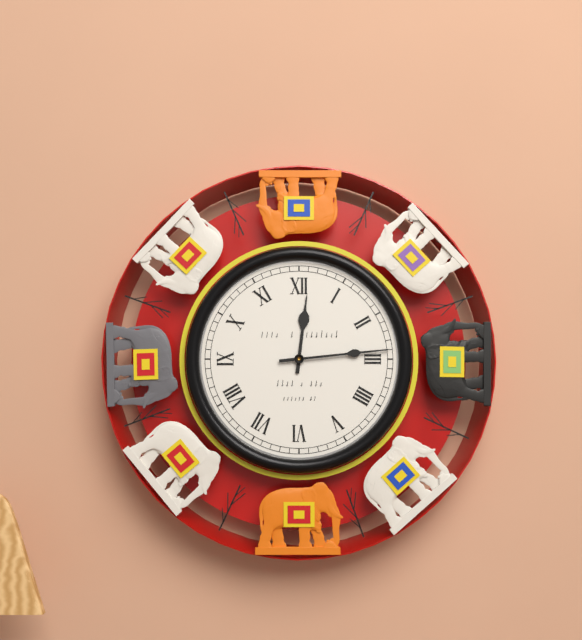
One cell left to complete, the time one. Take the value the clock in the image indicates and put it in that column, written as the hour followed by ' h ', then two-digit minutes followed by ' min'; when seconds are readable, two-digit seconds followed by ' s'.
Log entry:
12 h 14 min
